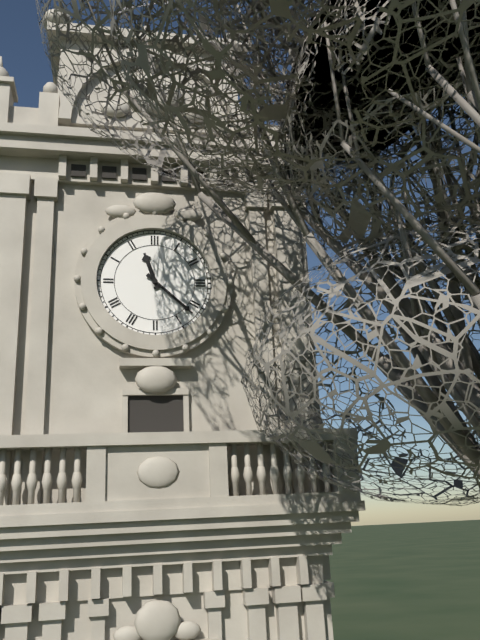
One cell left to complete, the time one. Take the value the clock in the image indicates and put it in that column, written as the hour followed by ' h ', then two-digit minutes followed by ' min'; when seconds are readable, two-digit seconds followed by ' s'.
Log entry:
11 h 22 min
